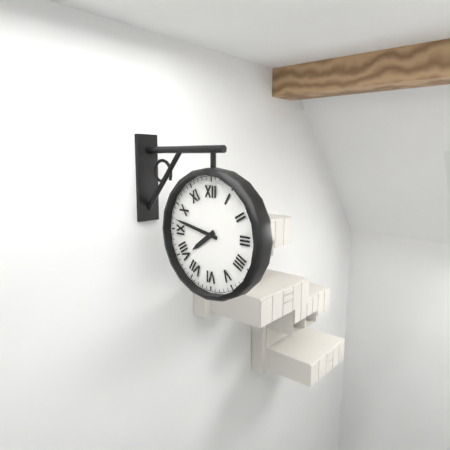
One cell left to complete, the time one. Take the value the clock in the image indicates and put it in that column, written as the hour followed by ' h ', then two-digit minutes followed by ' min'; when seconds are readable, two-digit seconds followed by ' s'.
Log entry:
7 h 47 min
